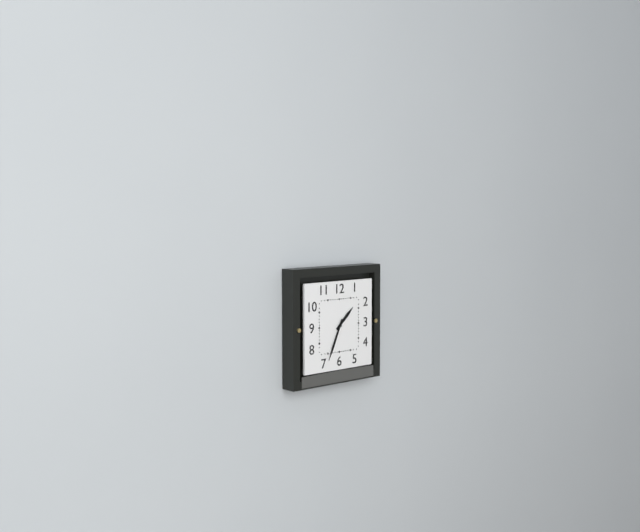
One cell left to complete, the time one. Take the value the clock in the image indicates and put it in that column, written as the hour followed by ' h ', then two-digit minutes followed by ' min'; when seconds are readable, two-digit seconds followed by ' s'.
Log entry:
1 h 34 min
